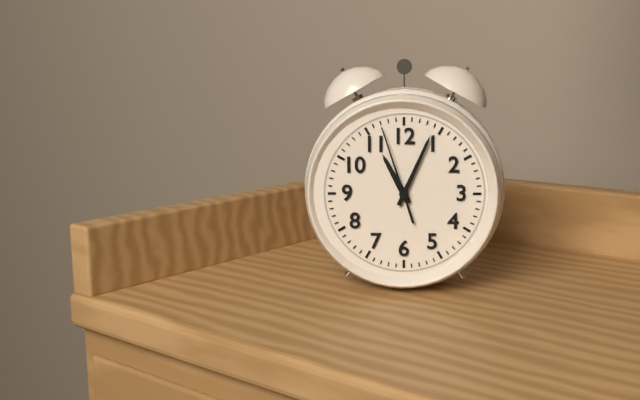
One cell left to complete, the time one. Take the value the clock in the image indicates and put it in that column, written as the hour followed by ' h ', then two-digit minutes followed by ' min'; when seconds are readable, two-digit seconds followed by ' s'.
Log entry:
11 h 04 min 57 s
